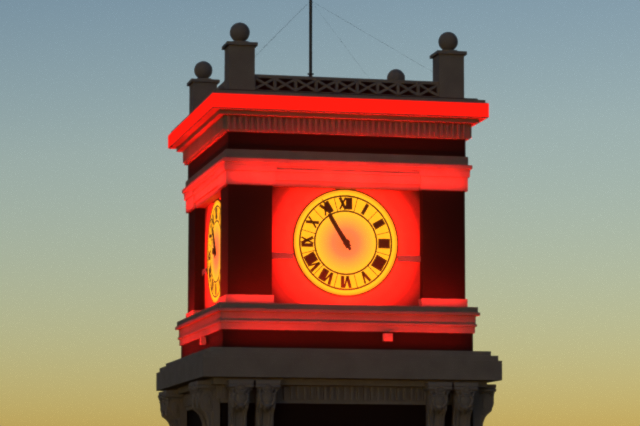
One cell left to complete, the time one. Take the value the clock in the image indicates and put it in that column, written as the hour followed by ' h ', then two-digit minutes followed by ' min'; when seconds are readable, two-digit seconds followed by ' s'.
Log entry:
10 h 55 min
